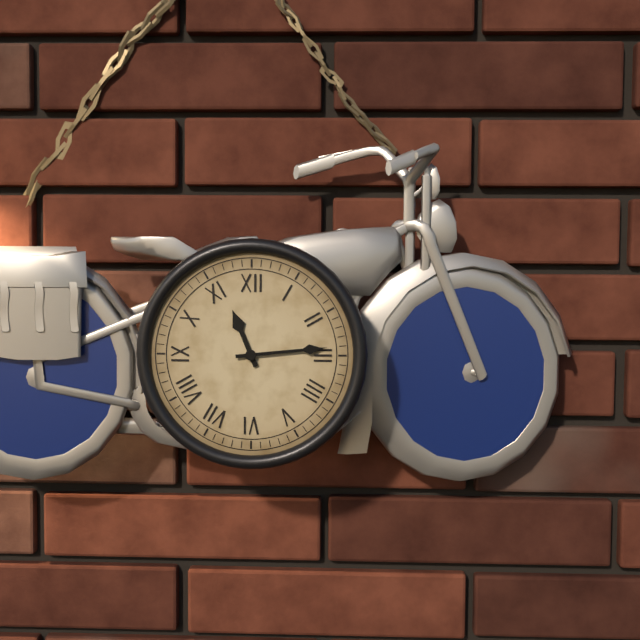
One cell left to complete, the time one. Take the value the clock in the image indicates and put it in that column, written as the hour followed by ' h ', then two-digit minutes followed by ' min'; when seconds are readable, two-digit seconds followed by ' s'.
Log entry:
11 h 14 min
